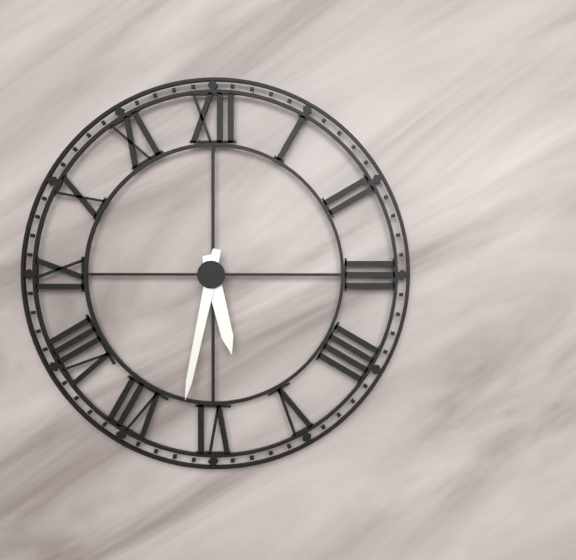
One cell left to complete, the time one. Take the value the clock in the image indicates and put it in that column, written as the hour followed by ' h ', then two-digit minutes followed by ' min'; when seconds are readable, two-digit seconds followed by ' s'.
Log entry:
5 h 32 min
